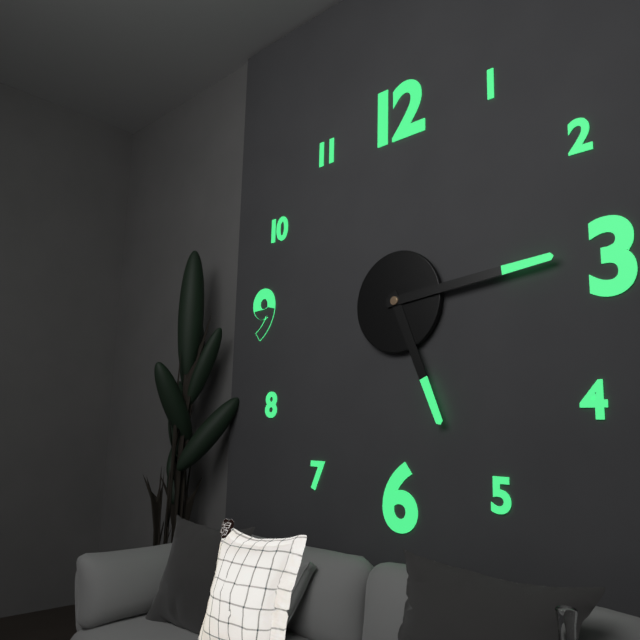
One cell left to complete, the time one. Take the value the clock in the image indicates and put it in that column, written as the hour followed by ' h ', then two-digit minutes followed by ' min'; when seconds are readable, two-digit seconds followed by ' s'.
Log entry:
5 h 14 min
